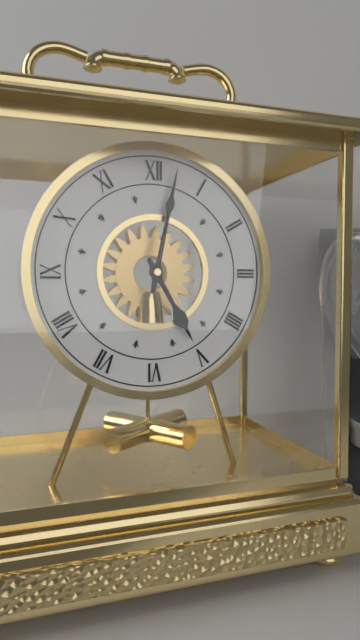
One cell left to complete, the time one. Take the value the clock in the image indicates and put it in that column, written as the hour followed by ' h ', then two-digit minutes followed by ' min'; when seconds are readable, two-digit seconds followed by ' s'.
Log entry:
5 h 02 min
